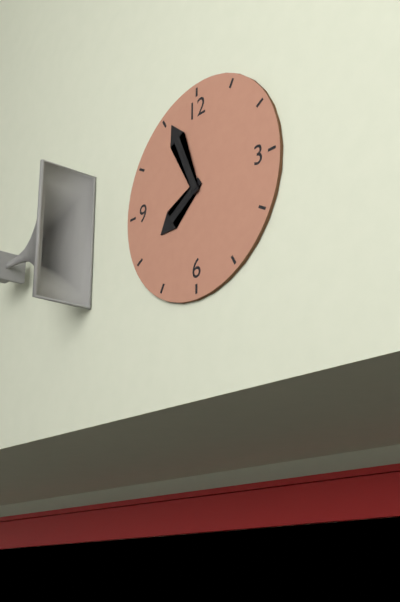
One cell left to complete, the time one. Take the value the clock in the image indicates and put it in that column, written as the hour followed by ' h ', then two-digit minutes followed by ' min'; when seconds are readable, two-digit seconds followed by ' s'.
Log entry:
7 h 56 min
